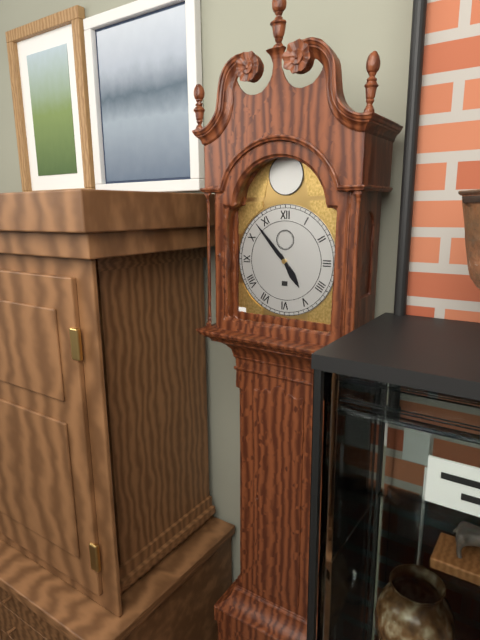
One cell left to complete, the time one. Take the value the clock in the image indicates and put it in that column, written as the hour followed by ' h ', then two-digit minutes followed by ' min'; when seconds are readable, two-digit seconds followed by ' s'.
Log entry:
4 h 53 min
